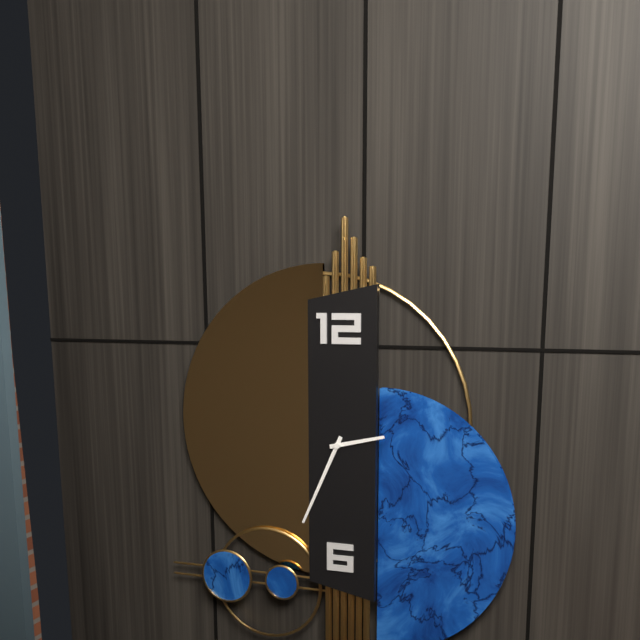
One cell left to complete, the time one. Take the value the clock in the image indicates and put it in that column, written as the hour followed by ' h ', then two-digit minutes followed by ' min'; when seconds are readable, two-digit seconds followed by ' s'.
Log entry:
2 h 34 min
